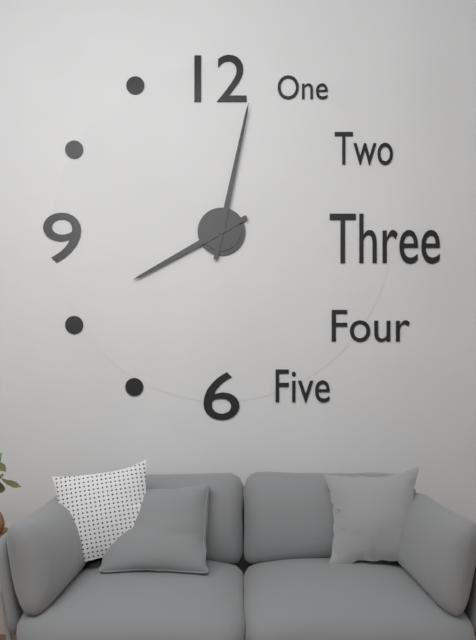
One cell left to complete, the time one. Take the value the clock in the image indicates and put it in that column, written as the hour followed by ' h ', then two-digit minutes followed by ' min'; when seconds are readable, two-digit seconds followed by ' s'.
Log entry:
8 h 02 min
